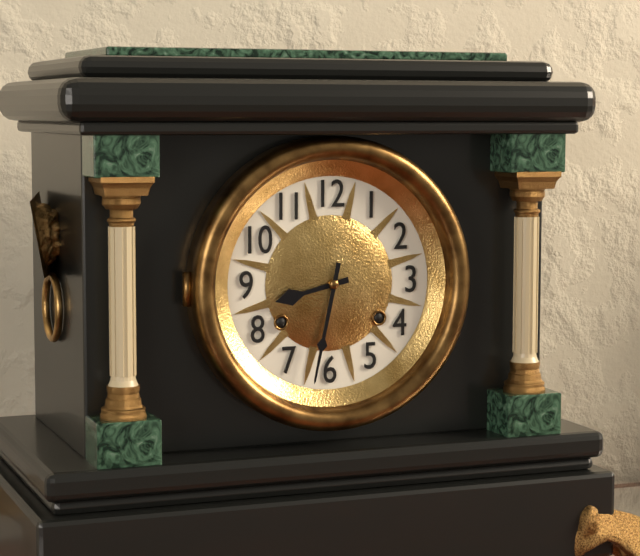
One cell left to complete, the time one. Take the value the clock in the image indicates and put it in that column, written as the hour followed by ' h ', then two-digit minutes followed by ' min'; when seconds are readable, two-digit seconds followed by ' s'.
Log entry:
8 h 32 min
